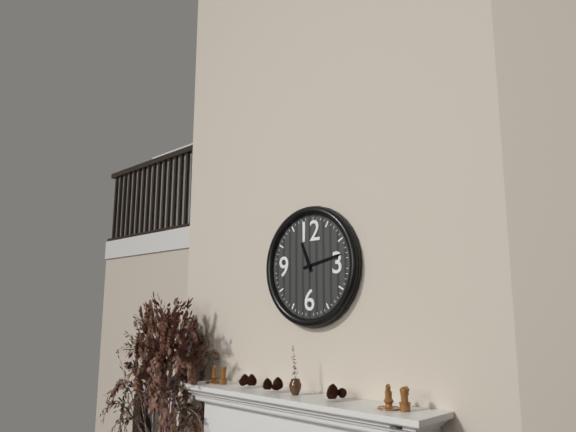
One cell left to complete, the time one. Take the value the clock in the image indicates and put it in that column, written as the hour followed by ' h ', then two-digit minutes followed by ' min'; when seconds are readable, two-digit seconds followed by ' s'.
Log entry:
11 h 13 min
